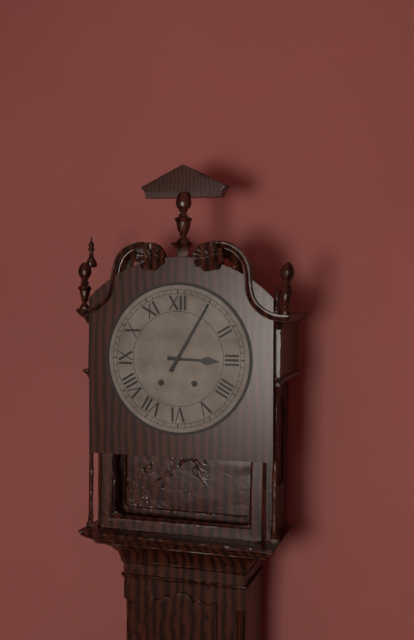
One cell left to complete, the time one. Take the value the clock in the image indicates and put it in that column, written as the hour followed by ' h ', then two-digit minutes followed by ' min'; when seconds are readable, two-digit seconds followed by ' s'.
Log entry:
3 h 05 min
